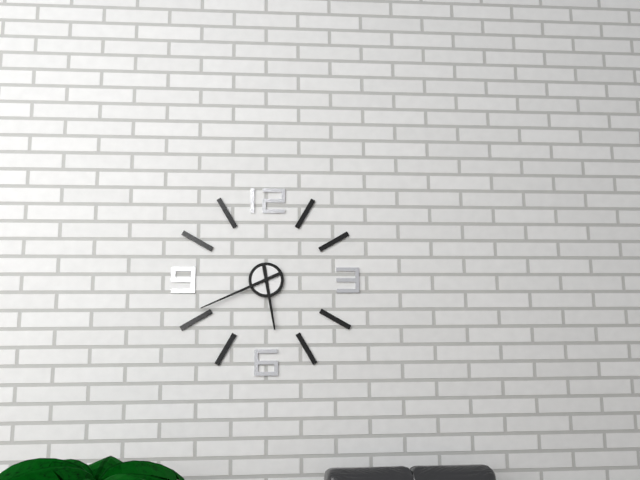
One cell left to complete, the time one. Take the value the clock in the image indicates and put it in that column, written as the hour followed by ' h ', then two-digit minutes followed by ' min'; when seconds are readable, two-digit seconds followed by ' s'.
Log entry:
5 h 41 min
